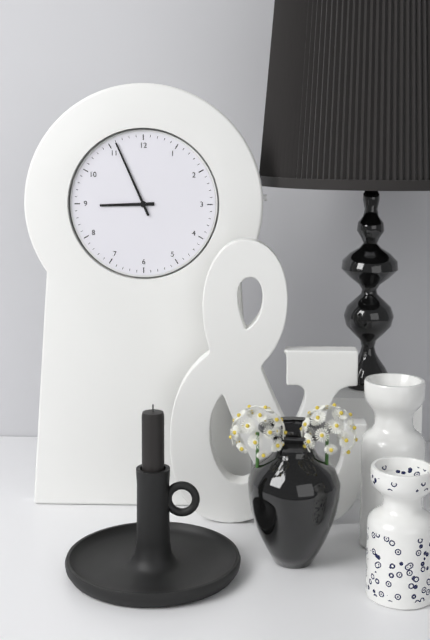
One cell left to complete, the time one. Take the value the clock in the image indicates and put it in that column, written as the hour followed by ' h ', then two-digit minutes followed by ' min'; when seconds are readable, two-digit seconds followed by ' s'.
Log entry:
8 h 56 min
